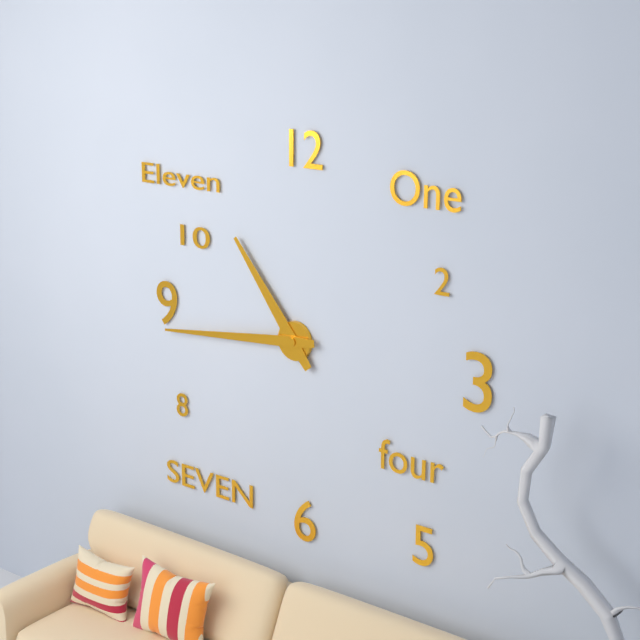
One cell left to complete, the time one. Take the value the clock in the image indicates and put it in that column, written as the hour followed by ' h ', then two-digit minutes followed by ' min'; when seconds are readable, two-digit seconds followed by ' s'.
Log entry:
10 h 44 min
